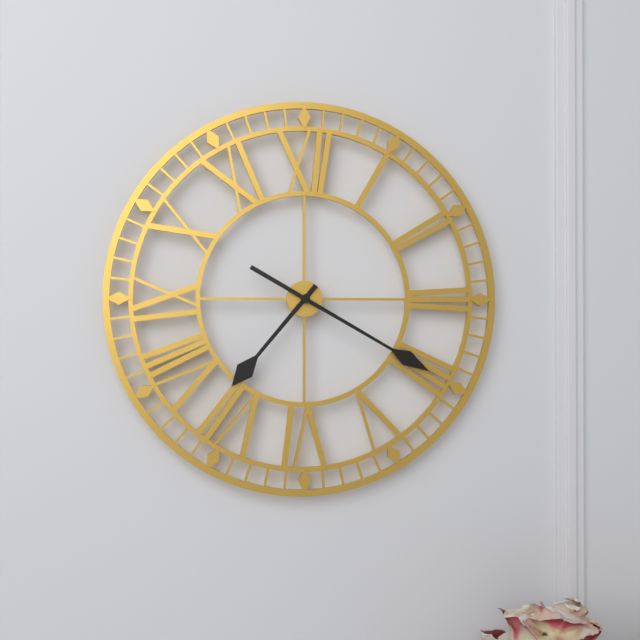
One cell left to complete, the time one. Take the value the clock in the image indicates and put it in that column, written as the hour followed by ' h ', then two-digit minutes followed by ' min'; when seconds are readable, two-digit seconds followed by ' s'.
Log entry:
7 h 20 min
